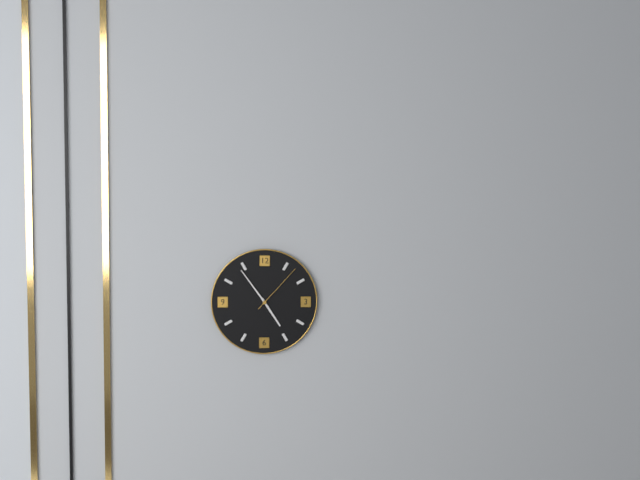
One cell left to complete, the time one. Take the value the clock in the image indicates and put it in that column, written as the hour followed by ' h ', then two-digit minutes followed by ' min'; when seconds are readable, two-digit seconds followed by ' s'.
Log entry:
4 h 54 min 07 s
